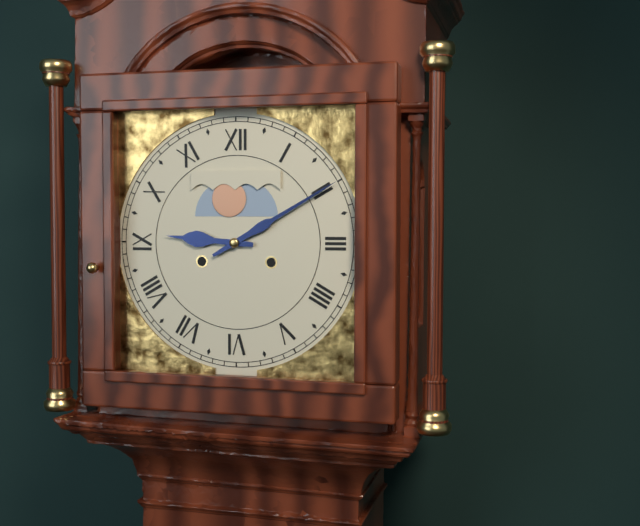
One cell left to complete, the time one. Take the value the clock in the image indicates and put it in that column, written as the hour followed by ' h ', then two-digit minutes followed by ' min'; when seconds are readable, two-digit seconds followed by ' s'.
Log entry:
9 h 10 min
